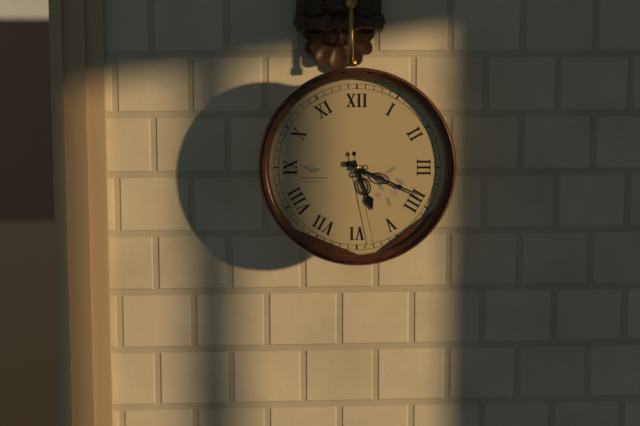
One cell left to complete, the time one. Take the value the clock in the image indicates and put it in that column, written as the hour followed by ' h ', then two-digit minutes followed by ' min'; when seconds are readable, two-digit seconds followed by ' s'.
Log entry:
5 h 19 min 28 s
